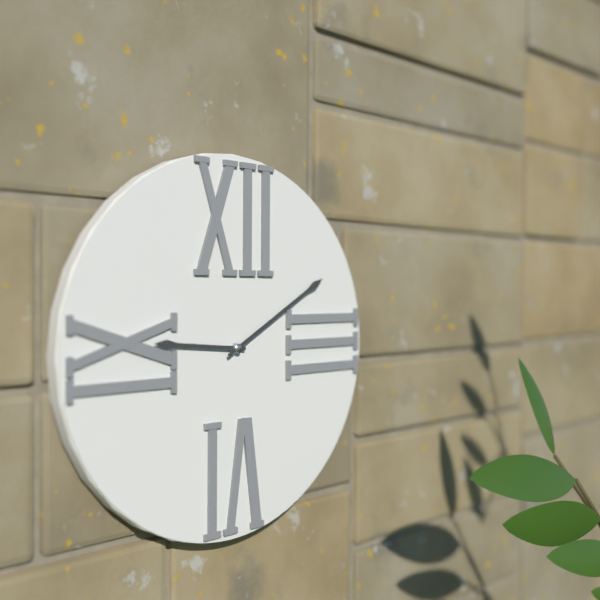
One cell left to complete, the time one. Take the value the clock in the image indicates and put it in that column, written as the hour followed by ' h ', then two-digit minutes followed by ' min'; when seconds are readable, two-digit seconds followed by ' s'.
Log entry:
9 h 10 min
